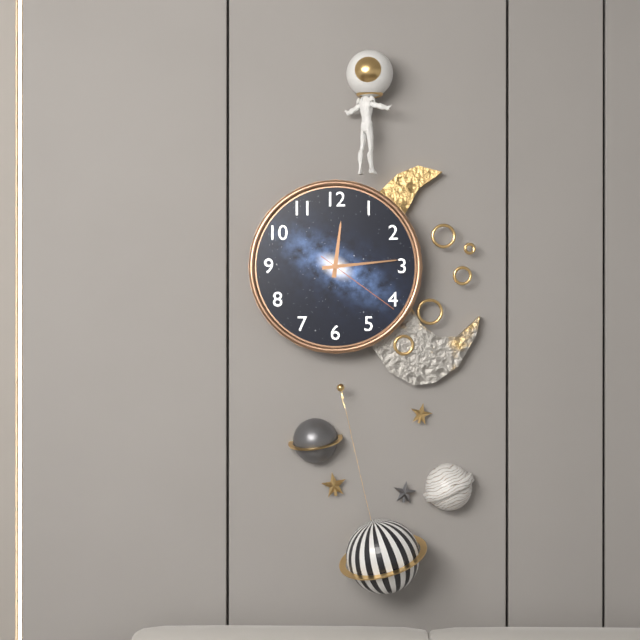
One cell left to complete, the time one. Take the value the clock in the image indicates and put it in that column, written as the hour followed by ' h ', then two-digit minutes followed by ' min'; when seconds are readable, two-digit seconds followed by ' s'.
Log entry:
12 h 14 min 21 s
